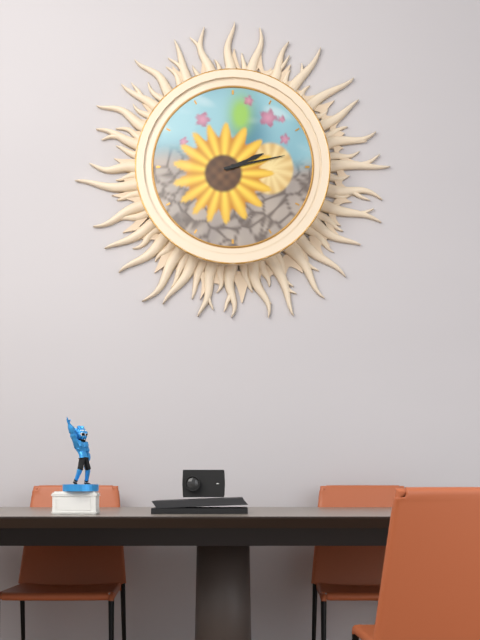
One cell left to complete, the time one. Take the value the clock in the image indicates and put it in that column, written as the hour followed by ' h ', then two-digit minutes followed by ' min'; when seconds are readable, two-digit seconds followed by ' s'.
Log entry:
2 h 13 min
